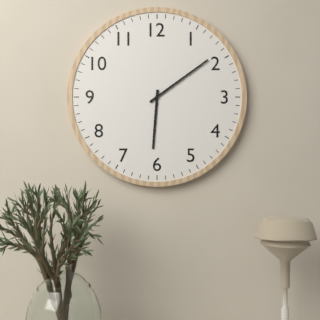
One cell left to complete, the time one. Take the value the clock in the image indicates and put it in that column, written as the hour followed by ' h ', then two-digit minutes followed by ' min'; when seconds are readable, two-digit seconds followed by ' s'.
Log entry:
6 h 09 min
